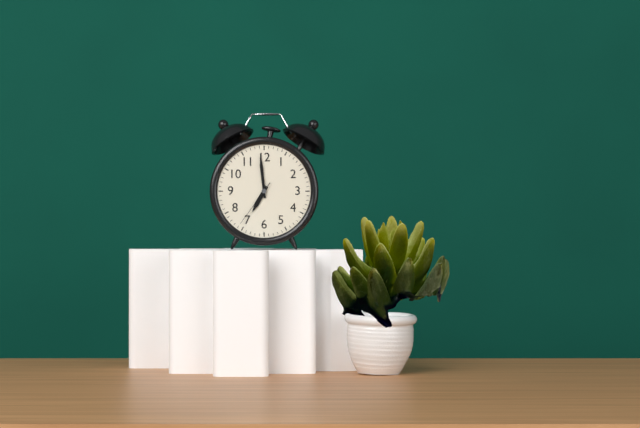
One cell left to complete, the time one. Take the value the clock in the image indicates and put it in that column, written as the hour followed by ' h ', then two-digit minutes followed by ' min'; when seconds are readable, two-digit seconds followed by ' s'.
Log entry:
6 h 59 min 36 s
